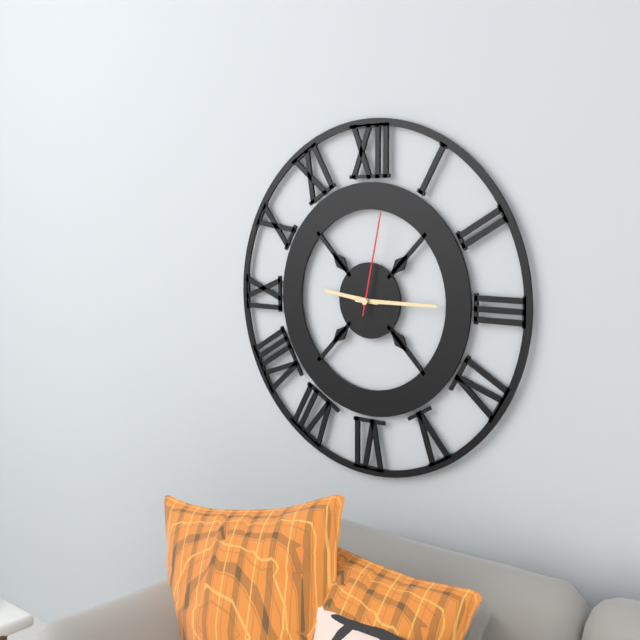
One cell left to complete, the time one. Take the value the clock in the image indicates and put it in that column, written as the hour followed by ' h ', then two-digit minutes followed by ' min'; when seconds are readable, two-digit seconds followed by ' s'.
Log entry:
9 h 15 min 02 s
